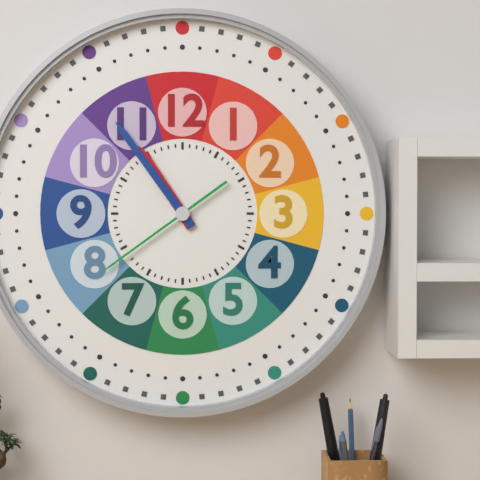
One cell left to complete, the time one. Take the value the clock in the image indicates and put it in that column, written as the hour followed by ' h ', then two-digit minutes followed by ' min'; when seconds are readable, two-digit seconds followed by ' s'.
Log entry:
10 h 54 min 39 s
